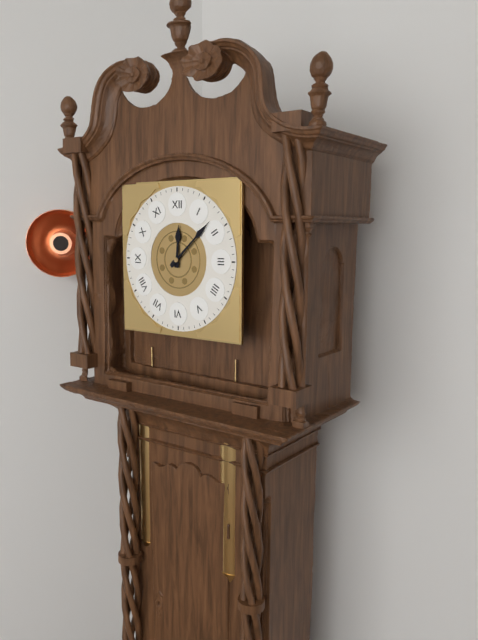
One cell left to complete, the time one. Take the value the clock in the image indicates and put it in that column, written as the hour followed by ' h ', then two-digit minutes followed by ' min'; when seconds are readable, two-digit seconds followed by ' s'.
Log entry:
12 h 08 min
